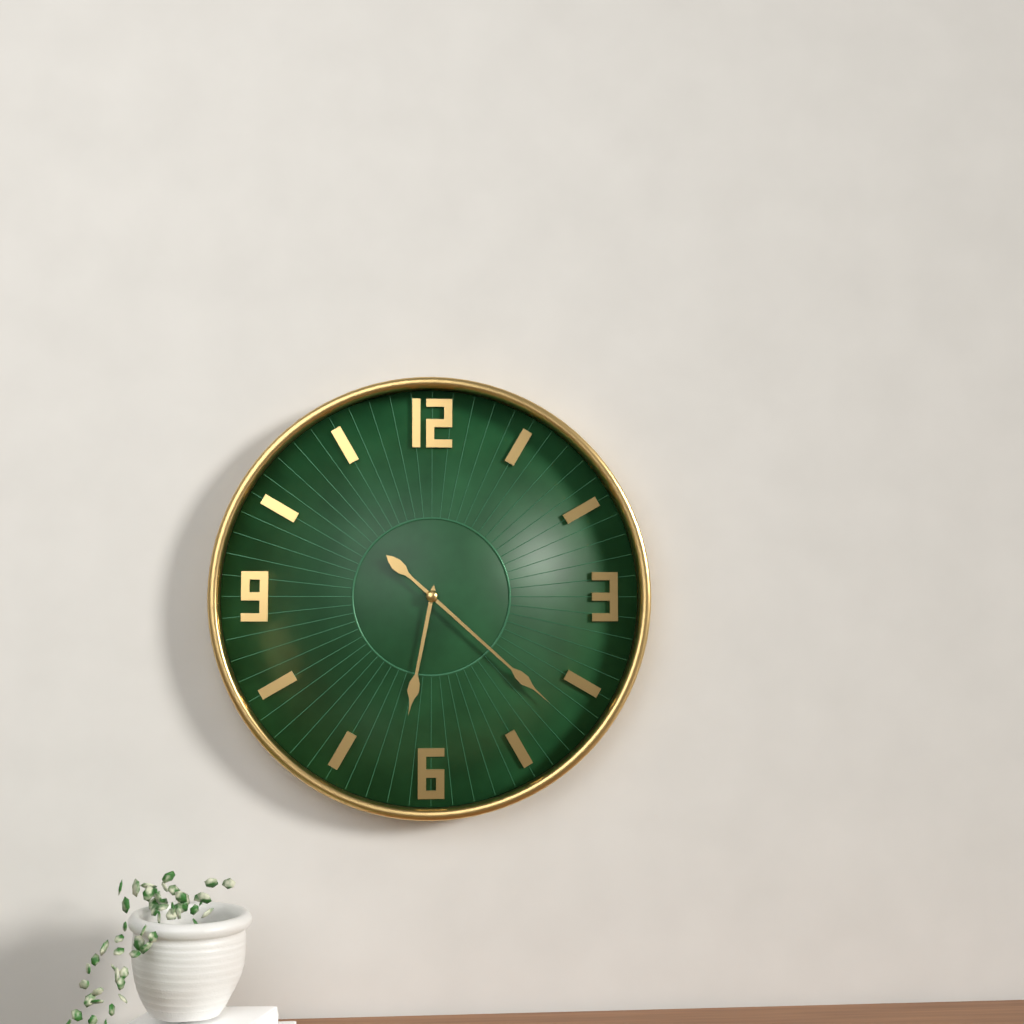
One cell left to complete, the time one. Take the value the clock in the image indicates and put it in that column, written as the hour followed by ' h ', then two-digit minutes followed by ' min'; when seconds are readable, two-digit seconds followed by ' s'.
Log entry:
6 h 22 min
